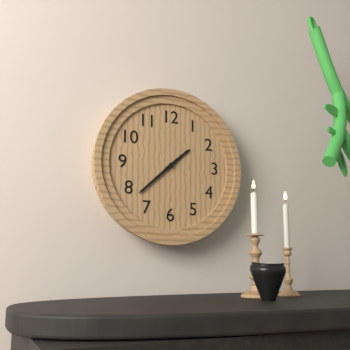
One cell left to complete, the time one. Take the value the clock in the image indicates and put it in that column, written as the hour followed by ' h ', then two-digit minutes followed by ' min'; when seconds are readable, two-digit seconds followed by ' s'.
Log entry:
1 h 38 min
